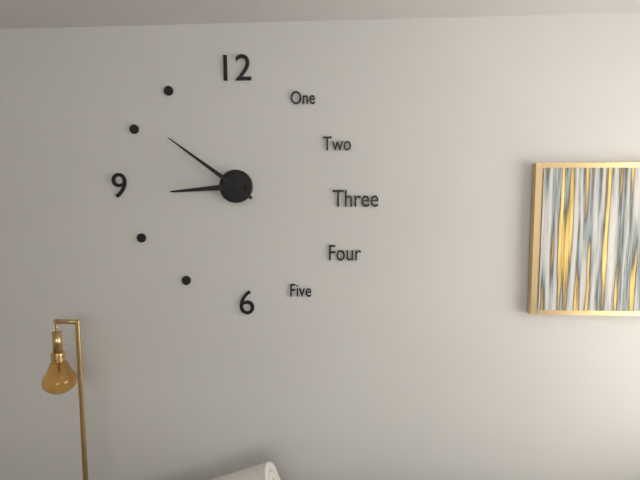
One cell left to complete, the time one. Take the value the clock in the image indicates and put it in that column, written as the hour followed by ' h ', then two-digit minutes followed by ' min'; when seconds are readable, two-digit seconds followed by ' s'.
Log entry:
8 h 51 min
